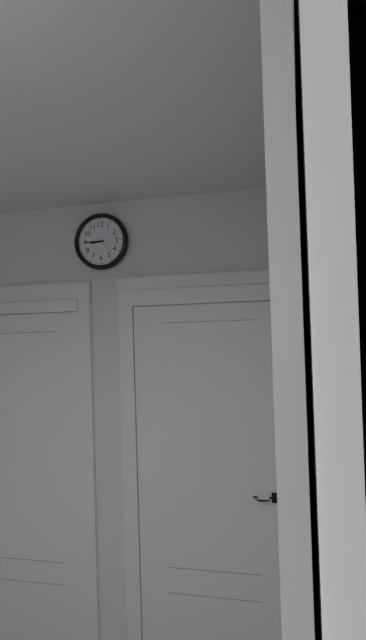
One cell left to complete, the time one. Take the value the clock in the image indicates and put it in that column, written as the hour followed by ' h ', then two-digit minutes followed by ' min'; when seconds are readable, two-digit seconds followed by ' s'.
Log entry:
8 h 45 min
